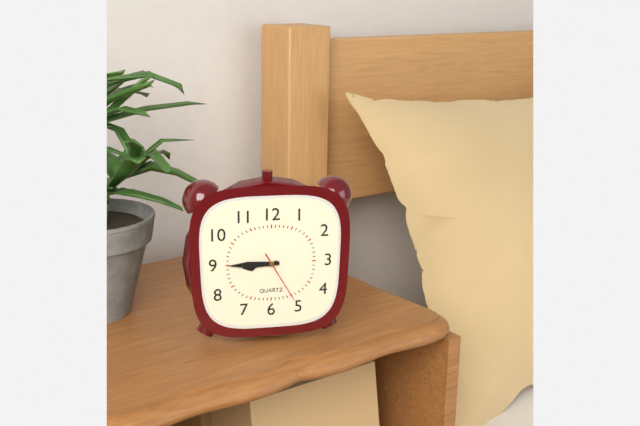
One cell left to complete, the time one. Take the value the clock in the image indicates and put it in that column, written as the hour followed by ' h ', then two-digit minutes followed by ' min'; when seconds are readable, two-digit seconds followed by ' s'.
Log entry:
8 h 45 min 25 s
